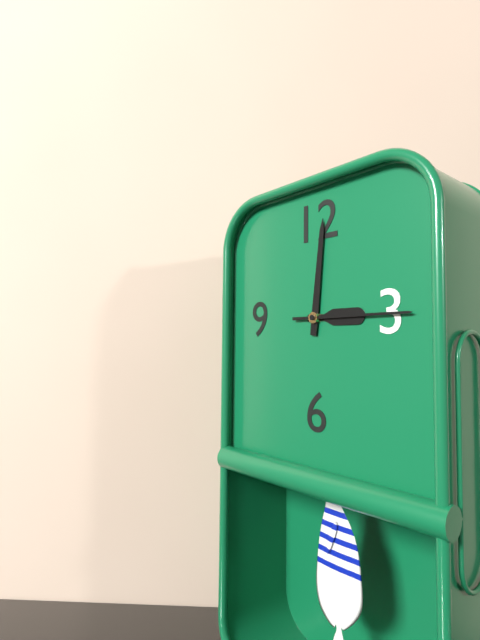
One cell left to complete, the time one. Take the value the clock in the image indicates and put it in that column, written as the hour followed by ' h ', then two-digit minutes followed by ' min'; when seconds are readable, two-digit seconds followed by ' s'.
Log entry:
3 h 01 min 15 s
